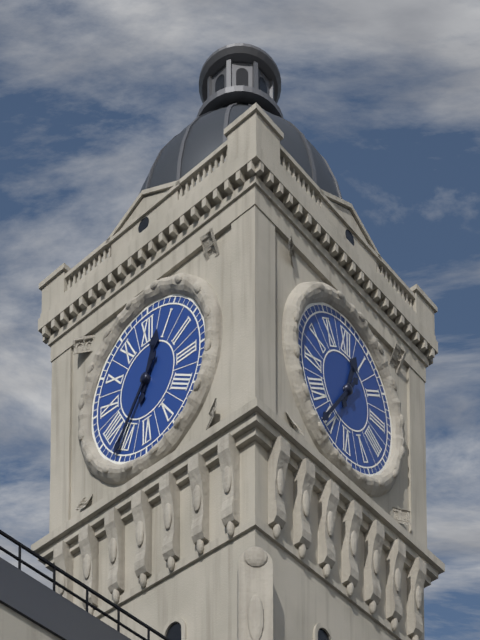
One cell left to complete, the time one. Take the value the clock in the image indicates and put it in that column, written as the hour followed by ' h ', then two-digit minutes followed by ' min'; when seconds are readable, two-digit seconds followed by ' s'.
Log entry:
12 h 36 min
